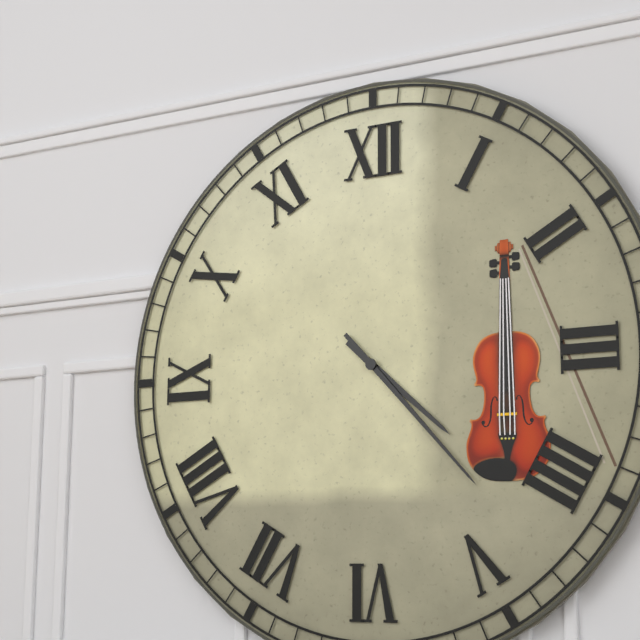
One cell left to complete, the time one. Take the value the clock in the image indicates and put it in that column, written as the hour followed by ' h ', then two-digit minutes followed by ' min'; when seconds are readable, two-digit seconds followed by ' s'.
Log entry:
4 h 23 min
